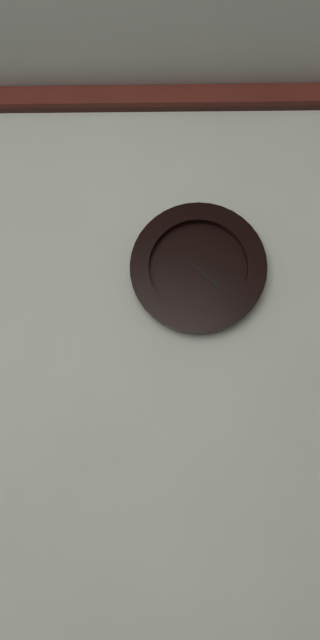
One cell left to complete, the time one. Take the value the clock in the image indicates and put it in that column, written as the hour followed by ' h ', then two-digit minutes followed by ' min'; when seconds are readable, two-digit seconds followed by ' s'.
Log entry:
4 h 22 min
